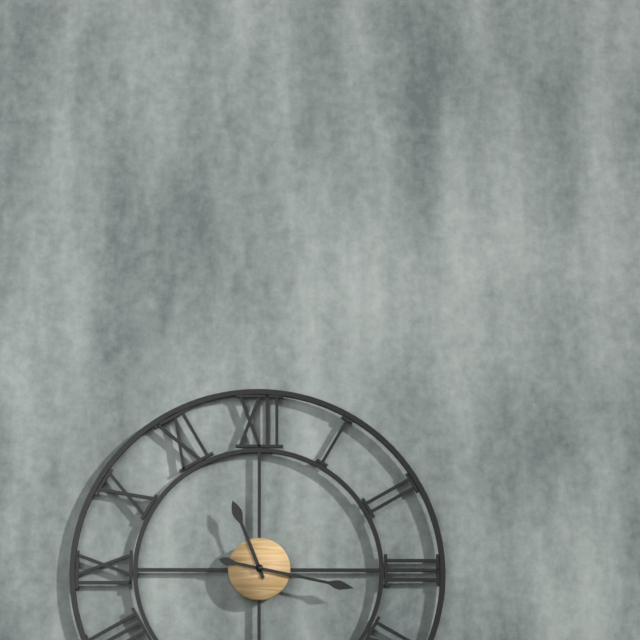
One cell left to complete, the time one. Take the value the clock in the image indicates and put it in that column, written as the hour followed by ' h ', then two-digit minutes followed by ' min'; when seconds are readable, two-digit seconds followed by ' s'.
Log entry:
11 h 17 min
